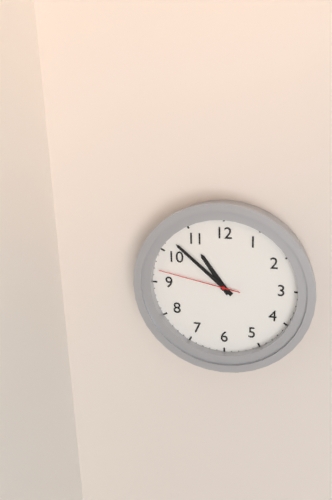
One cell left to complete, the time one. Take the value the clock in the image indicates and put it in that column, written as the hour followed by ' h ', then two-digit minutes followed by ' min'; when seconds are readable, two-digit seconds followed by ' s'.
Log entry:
10 h 52 min 47 s
